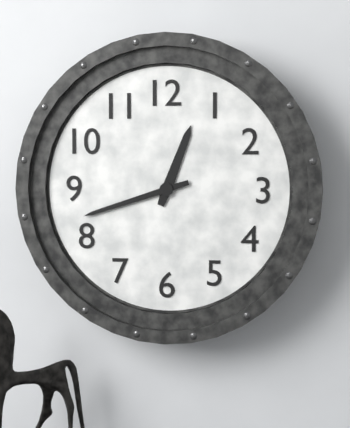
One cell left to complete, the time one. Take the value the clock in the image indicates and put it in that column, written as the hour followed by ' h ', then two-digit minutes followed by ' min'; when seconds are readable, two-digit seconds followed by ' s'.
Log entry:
12 h 42 min
